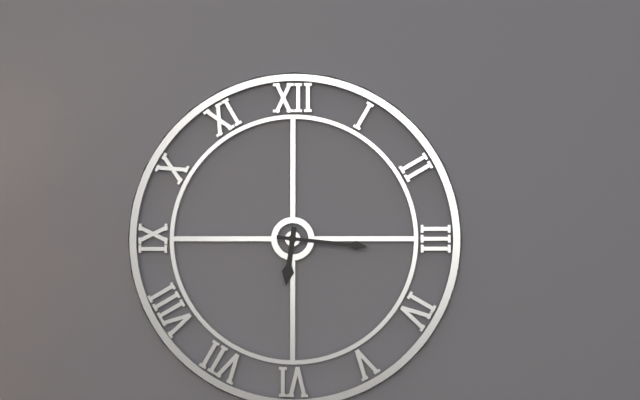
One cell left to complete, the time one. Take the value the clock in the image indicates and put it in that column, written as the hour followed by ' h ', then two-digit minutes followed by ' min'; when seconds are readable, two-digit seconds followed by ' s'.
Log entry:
6 h 16 min
